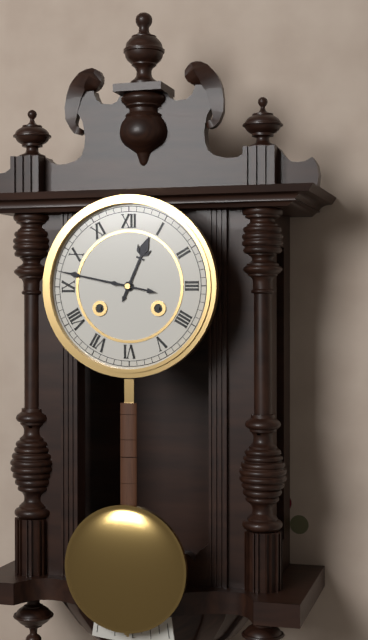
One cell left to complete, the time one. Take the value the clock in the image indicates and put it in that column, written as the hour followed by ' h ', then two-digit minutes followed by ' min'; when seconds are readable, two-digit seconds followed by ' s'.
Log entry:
12 h 47 min
